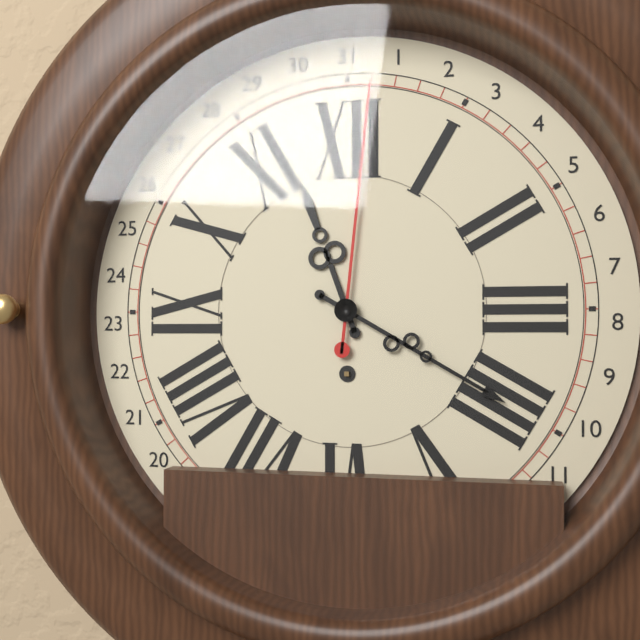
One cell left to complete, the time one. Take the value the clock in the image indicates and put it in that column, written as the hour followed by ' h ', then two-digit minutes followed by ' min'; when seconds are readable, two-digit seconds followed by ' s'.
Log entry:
11 h 20 min 01 s
